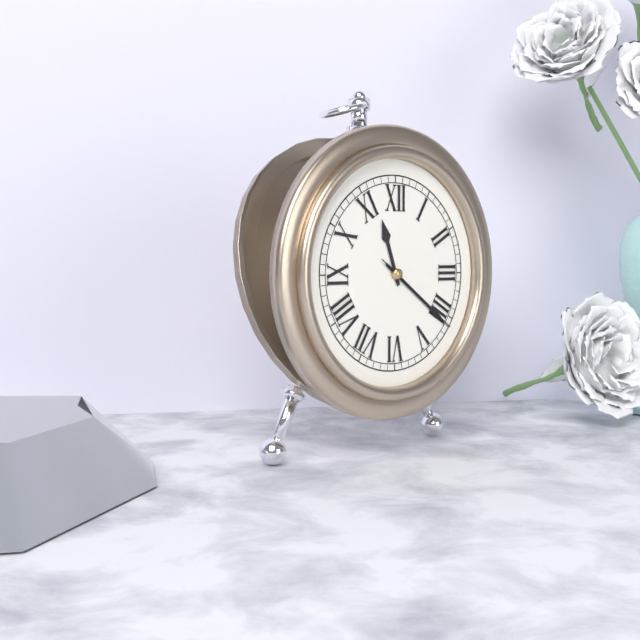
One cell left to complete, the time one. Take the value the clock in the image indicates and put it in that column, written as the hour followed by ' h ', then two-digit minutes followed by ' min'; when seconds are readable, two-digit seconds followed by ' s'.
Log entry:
11 h 21 min 21 s
